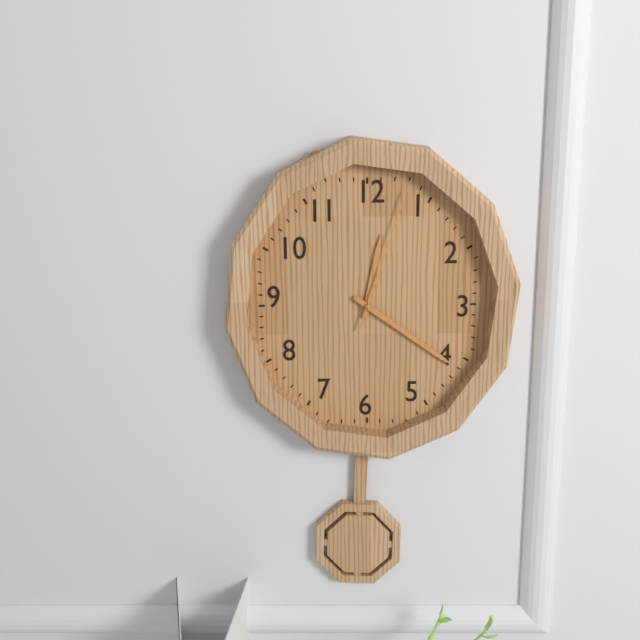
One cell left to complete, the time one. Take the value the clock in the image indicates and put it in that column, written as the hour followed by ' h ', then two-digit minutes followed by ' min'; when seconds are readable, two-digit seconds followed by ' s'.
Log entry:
12 h 21 min 03 s
